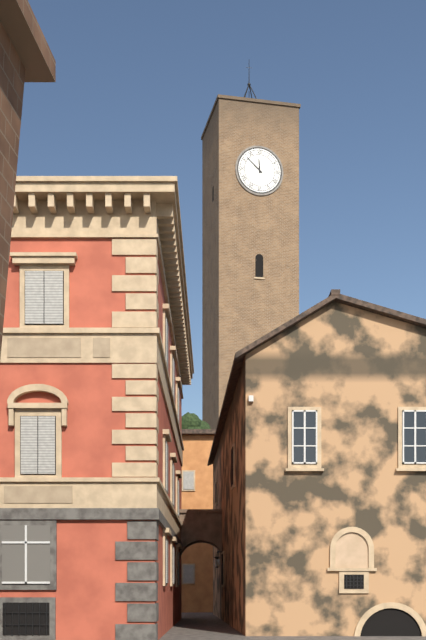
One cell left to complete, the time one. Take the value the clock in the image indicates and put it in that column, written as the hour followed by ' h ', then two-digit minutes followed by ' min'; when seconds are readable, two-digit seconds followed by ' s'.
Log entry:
11 h 52 min
